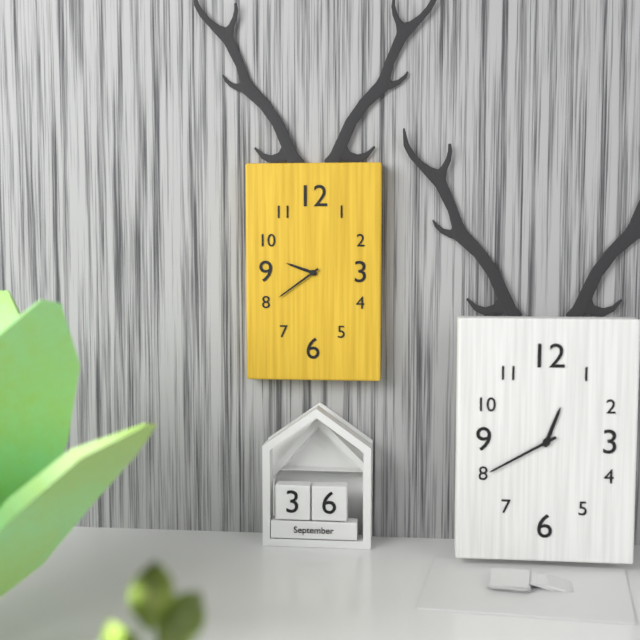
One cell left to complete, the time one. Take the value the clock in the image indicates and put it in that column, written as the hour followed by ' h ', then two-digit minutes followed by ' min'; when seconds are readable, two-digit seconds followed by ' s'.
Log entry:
9 h 39 min
